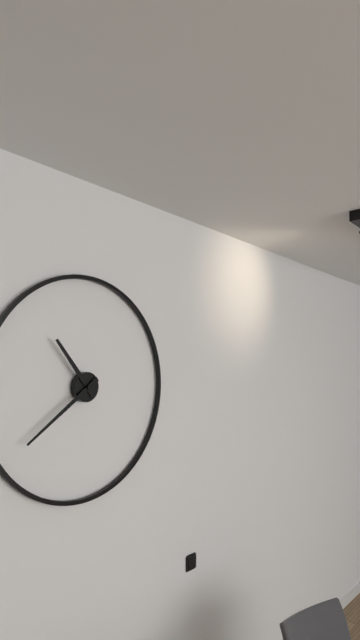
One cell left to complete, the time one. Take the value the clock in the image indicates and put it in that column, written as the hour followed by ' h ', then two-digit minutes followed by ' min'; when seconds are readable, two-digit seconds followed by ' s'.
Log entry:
10 h 39 min
